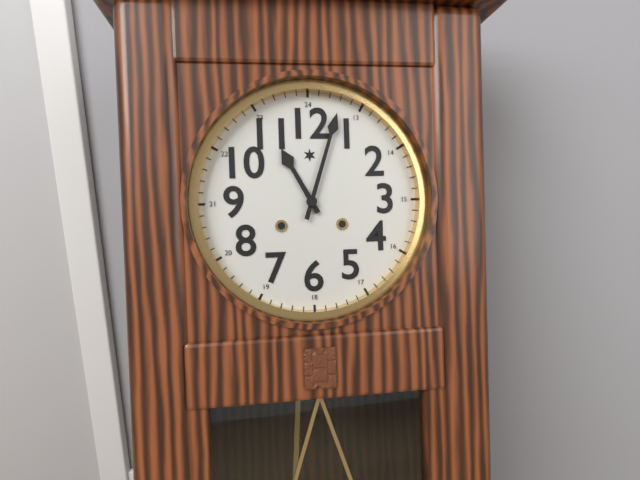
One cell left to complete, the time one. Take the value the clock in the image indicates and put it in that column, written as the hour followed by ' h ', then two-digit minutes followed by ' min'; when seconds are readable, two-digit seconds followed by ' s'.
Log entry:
11 h 03 min
